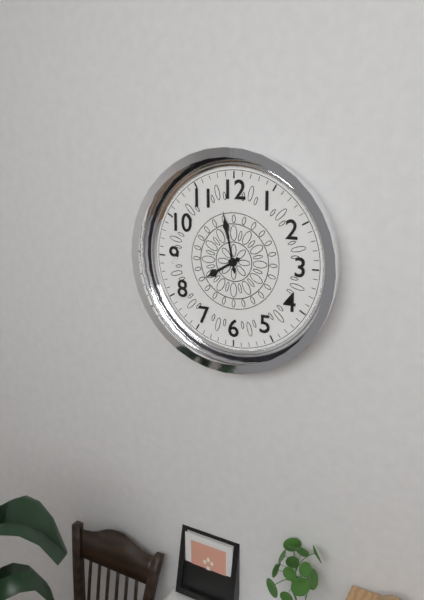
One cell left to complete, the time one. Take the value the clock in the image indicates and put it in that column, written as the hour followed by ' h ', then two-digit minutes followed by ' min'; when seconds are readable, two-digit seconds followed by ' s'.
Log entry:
7 h 58 min
